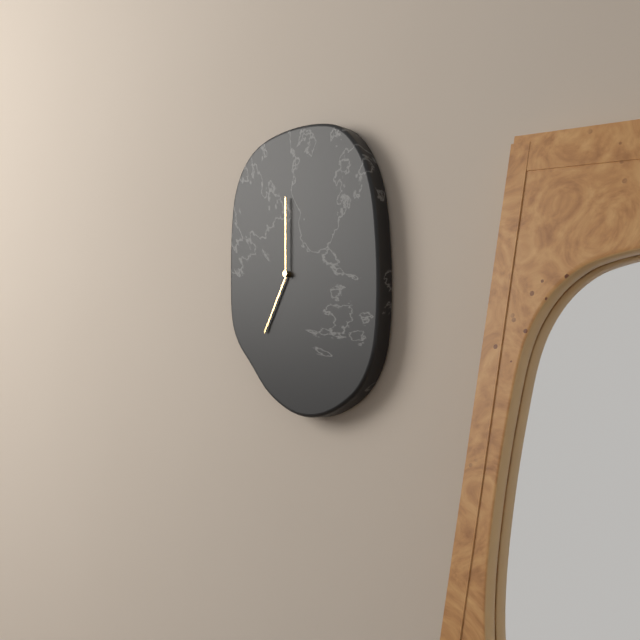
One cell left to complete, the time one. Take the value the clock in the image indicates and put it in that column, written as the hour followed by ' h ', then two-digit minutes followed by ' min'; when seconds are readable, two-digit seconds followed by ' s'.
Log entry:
7 h 00 min
